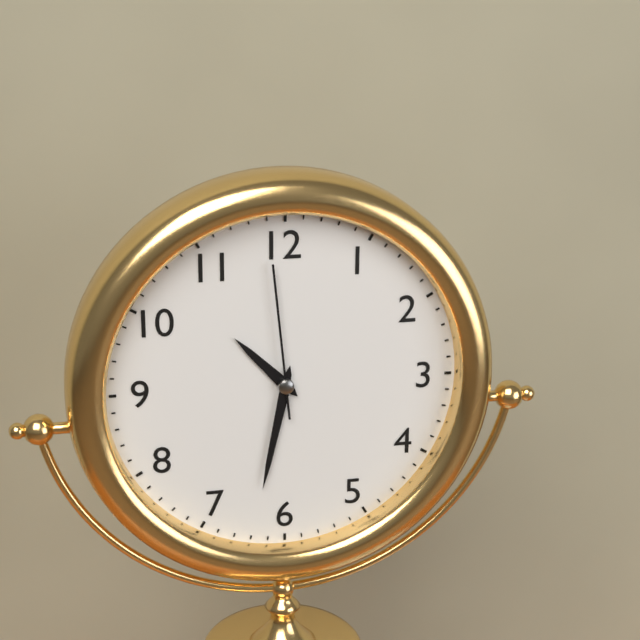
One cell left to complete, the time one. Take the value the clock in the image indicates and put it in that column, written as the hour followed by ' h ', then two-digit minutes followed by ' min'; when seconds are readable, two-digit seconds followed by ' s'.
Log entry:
10 h 32 min 59 s
